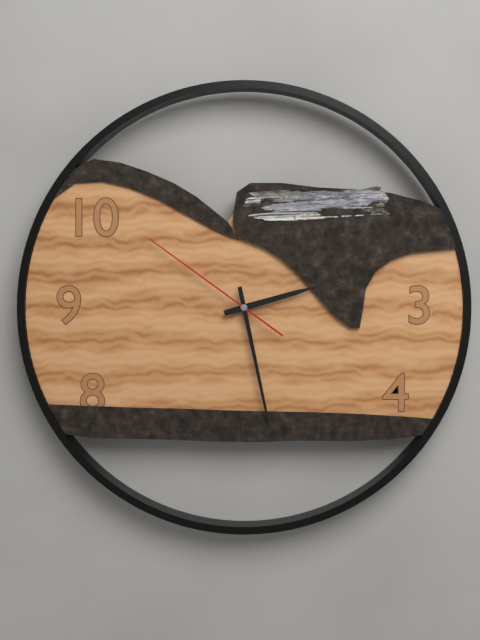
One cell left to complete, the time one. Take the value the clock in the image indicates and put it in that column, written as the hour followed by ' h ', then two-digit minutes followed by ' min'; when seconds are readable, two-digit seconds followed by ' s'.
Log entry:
2 h 28 min 51 s
